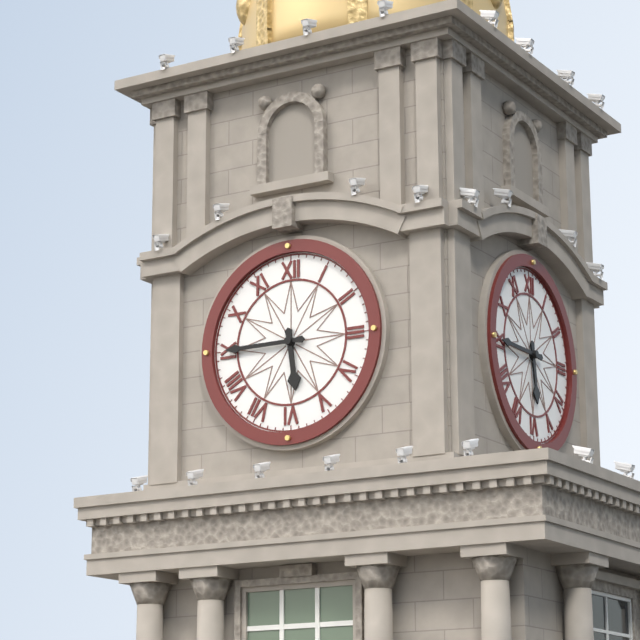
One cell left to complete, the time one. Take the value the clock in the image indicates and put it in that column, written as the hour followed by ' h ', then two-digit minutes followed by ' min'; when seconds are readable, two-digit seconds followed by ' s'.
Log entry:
5 h 45 min
